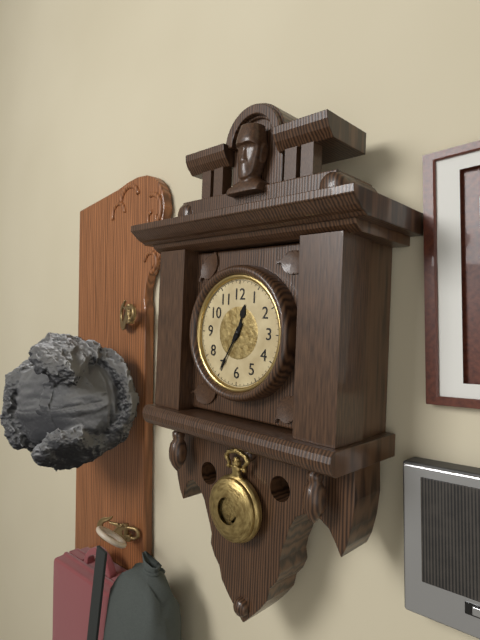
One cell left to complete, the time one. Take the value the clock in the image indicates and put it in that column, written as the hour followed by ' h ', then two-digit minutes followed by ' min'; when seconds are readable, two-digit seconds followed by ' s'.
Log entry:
12 h 35 min
